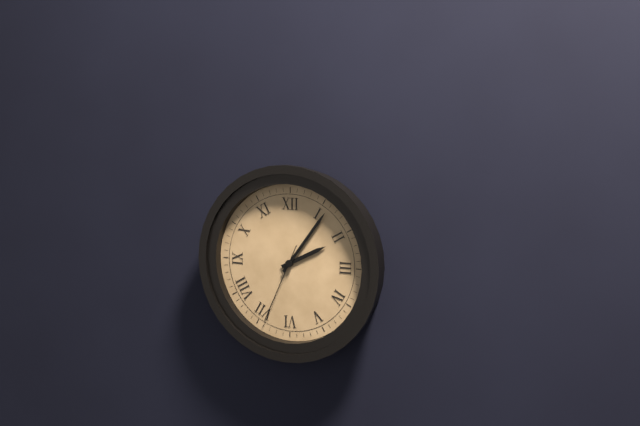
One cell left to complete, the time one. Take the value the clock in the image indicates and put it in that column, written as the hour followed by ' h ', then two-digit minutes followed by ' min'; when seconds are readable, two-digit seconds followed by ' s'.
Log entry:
2 h 06 min 34 s
